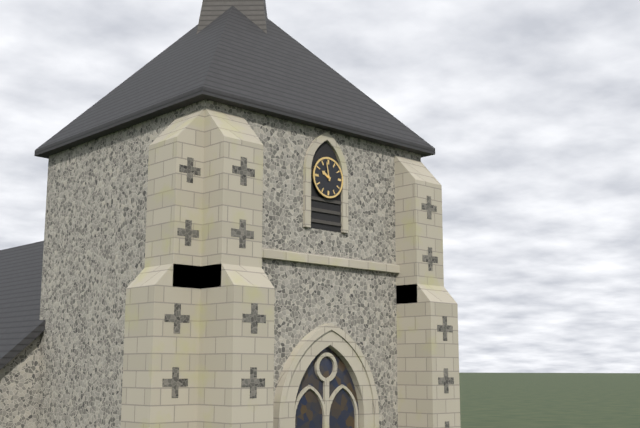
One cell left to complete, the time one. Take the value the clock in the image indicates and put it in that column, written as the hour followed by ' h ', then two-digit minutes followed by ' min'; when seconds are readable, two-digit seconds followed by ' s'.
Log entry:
9 h 58 min
